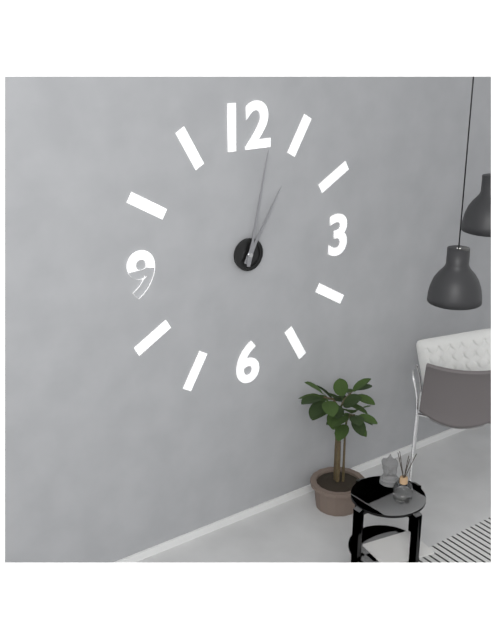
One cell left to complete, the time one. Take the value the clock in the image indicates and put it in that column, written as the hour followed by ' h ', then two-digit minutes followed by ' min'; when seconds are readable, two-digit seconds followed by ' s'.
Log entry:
1 h 02 min
